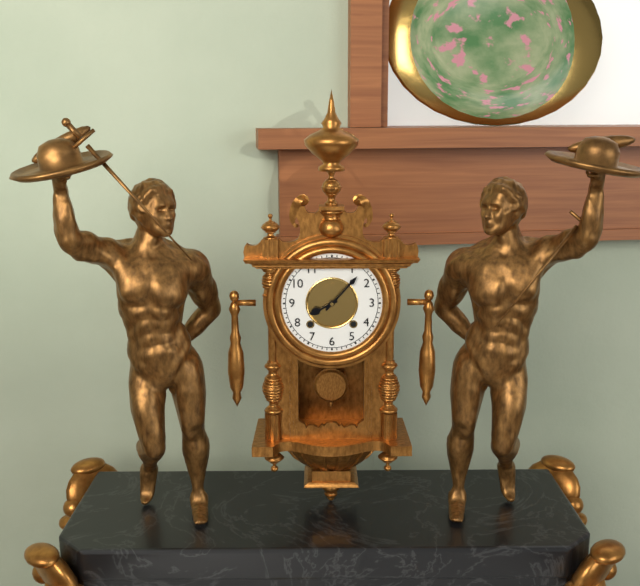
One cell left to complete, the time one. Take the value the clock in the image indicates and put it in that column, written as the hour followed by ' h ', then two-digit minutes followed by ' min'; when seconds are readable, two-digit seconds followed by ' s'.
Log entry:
8 h 07 min
